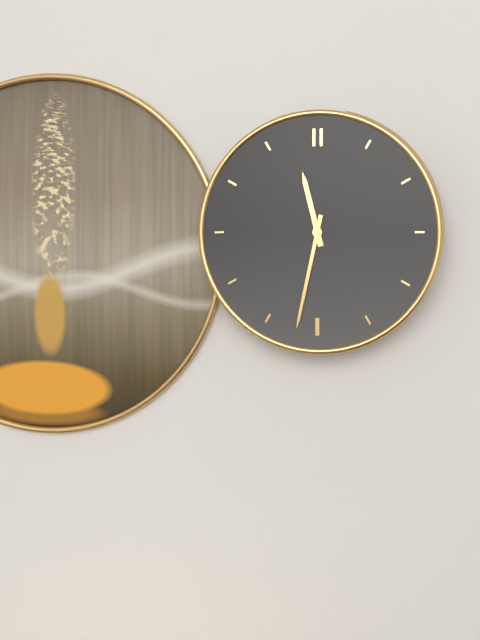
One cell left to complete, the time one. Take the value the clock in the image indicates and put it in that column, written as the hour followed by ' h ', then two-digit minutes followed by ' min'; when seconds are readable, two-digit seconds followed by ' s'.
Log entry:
11 h 32 min
